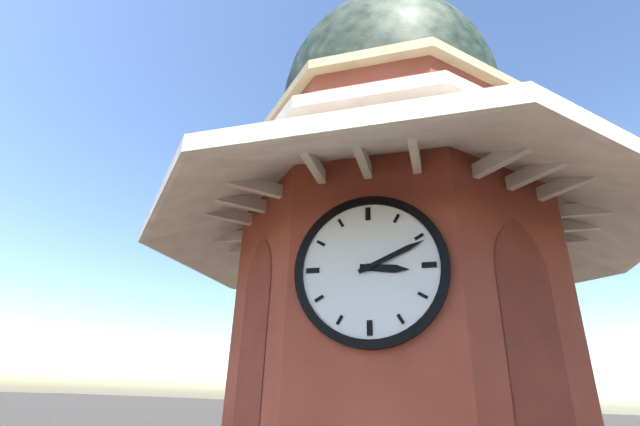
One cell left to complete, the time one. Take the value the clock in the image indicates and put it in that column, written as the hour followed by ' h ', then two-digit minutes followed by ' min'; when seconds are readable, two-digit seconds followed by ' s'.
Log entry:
3 h 11 min
